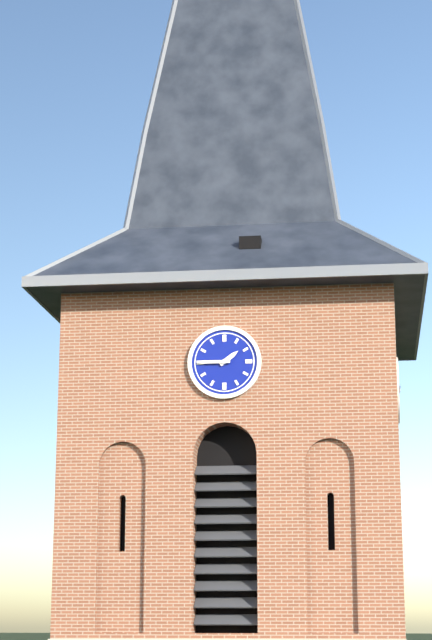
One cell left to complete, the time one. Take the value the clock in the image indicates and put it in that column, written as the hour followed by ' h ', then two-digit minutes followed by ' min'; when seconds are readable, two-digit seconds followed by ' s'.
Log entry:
1 h 45 min
